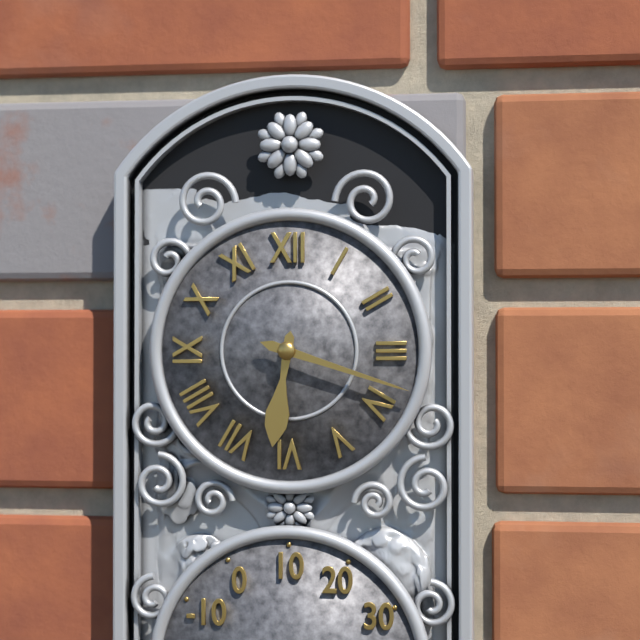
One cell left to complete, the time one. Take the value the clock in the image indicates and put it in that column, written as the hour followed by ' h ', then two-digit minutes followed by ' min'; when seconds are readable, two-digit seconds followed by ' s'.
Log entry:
6 h 18 min
